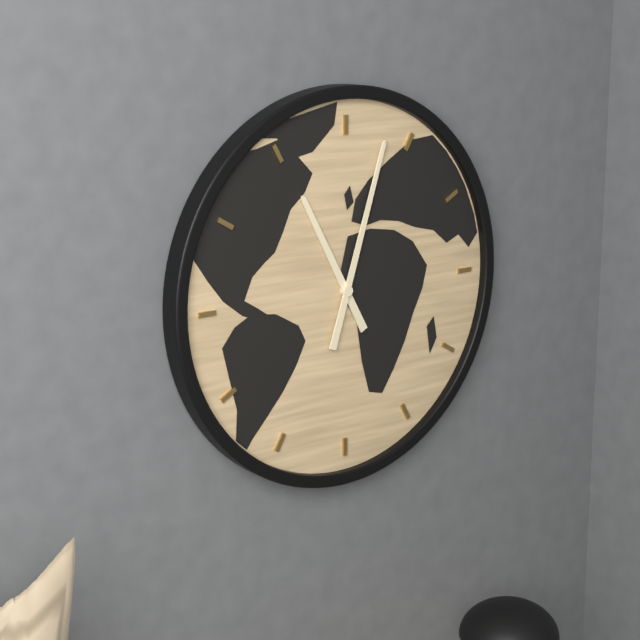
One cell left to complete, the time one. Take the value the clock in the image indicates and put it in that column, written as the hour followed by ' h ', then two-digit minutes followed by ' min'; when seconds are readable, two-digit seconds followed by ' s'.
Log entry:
11 h 03 min
